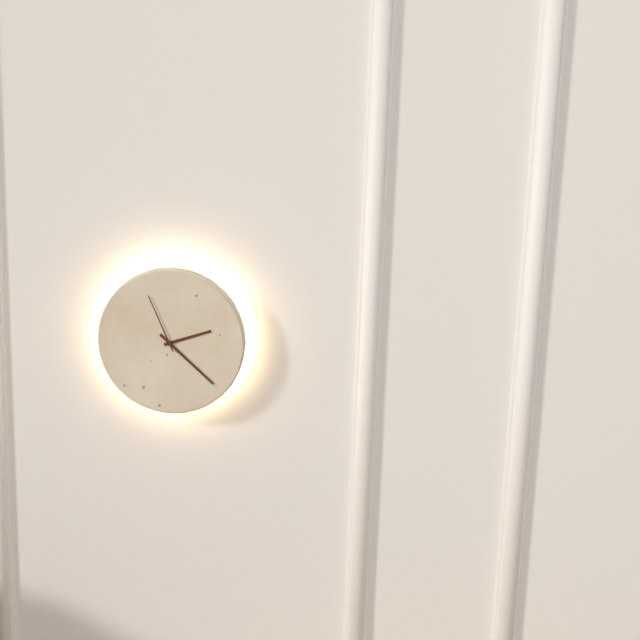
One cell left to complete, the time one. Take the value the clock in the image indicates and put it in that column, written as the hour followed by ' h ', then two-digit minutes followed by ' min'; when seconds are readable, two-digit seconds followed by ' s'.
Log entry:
2 h 22 min 56 s
